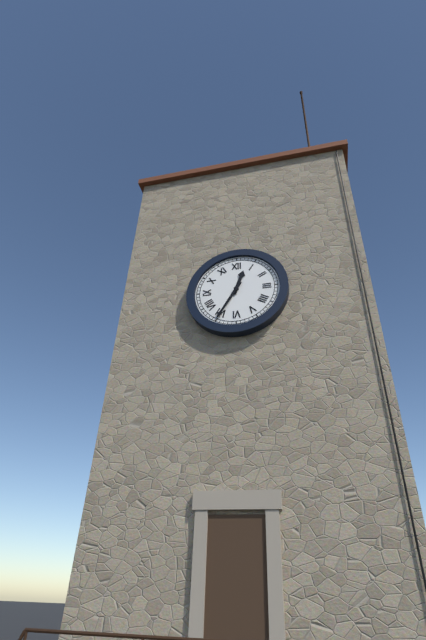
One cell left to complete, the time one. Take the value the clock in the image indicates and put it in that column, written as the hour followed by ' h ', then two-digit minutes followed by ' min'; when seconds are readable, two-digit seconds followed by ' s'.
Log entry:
12 h 35 min
